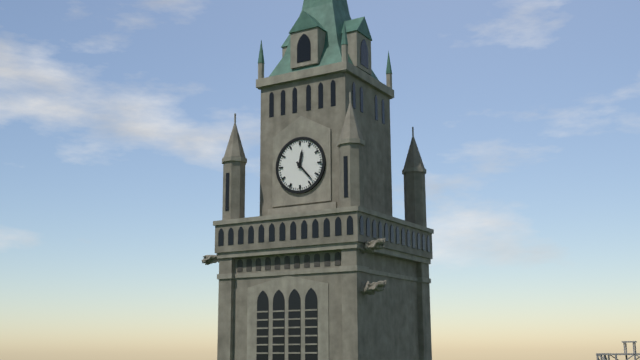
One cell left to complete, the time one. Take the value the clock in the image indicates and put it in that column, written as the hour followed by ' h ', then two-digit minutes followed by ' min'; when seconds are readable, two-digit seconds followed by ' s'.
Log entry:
12 h 23 min
